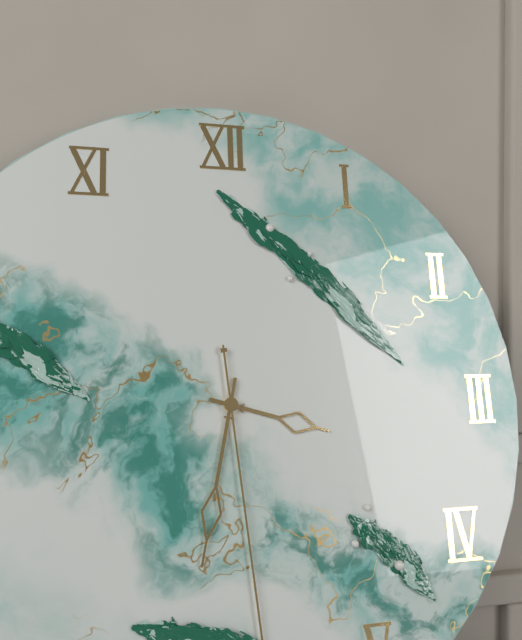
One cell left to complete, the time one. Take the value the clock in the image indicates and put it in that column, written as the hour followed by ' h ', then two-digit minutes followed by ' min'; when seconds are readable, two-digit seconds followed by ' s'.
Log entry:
3 h 32 min
